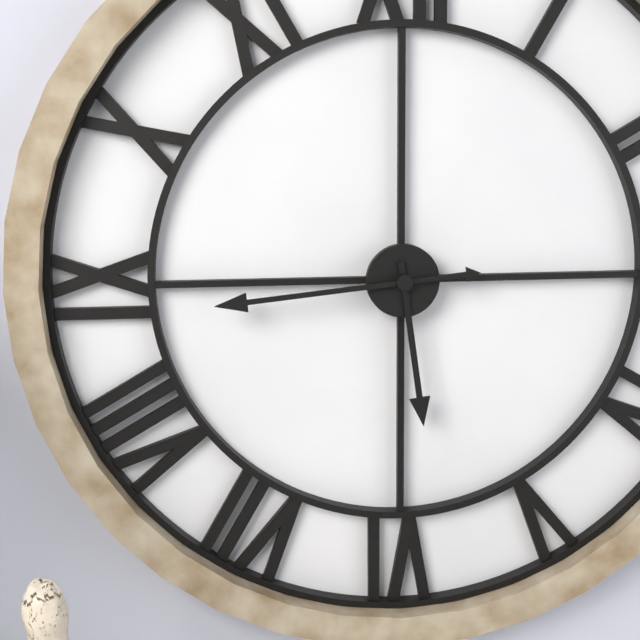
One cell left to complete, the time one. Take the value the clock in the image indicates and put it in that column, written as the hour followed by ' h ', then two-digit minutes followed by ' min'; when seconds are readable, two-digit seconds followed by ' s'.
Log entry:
5 h 44 min
